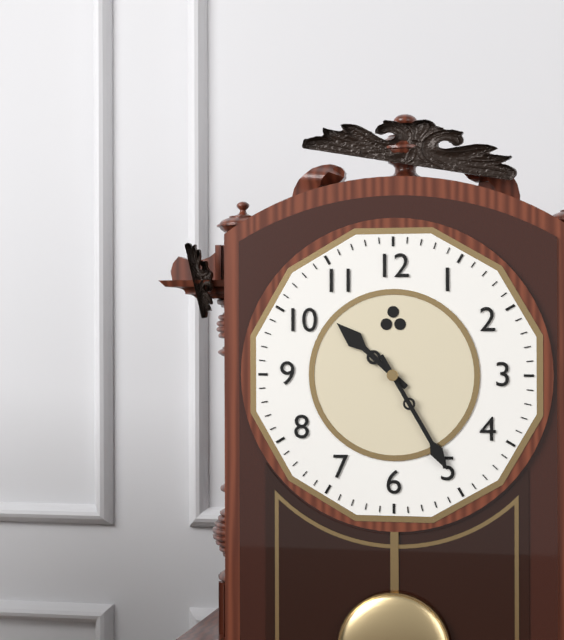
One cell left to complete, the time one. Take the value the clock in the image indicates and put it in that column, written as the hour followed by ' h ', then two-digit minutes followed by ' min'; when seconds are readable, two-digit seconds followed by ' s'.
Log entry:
10 h 25 min
